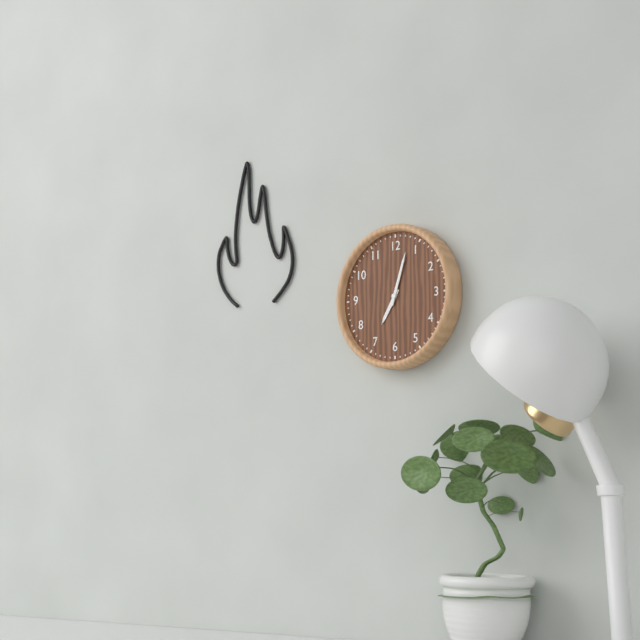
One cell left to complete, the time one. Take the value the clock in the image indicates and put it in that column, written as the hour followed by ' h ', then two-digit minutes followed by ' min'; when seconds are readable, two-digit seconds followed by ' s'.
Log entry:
7 h 03 min
